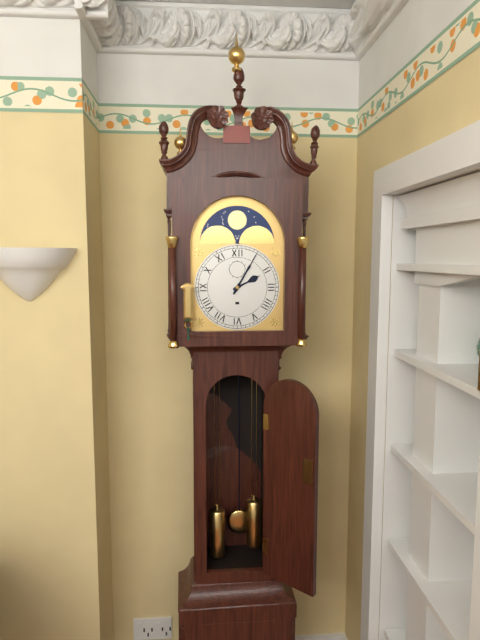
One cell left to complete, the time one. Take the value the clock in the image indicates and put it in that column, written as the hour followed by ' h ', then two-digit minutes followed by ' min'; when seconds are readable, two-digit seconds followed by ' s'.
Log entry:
2 h 05 min
